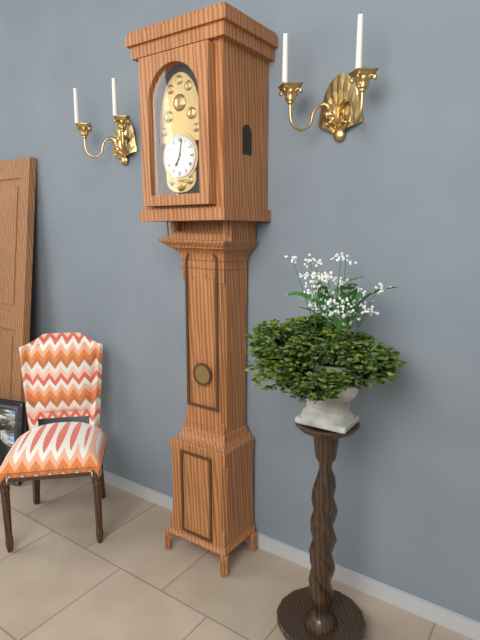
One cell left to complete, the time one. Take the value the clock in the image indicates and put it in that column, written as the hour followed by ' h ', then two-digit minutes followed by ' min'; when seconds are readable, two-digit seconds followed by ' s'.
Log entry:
7 h 02 min
